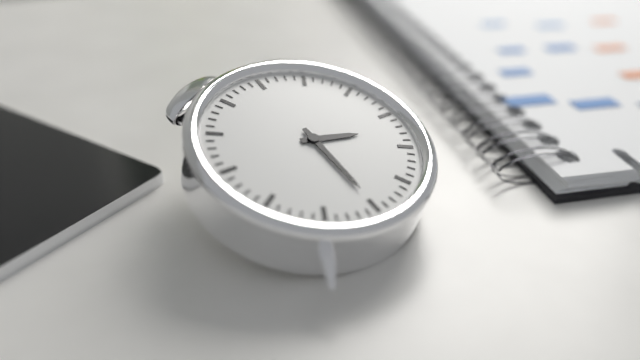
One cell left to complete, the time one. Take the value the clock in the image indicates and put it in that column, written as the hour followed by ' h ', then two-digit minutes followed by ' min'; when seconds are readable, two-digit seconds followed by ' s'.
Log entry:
3 h 30 min
